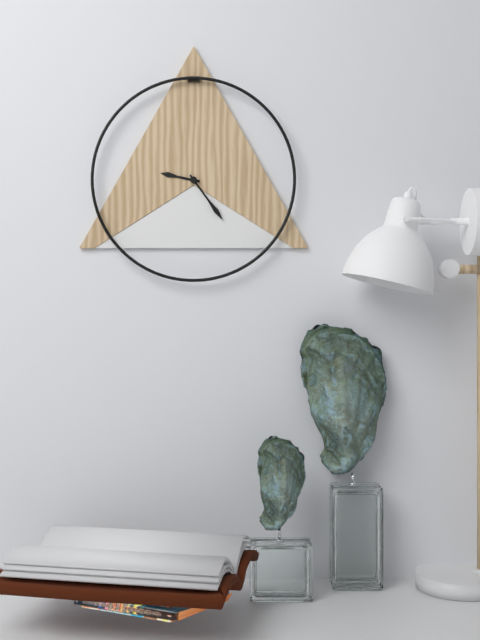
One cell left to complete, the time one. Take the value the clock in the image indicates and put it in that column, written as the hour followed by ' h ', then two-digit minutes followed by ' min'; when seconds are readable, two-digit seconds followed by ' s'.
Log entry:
9 h 24 min
